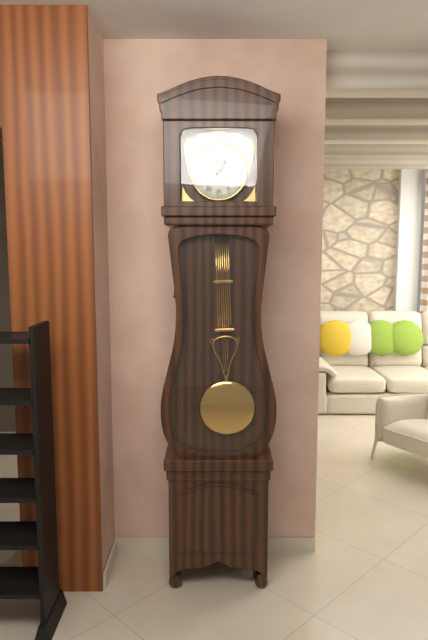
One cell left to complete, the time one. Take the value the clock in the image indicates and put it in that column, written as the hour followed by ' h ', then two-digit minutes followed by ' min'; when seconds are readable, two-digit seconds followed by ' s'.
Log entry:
1 h 11 min
